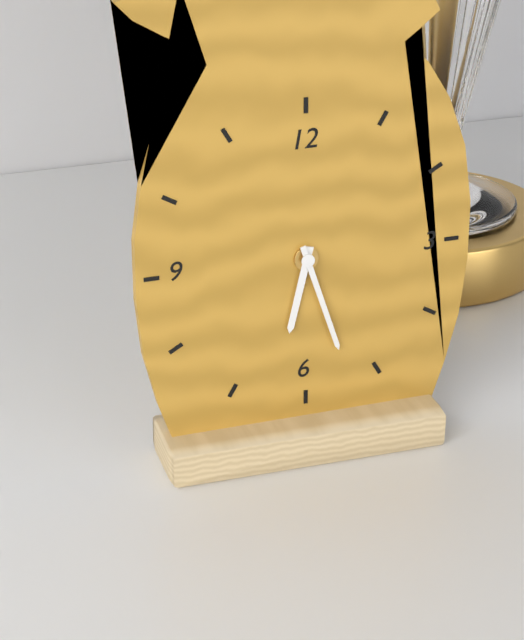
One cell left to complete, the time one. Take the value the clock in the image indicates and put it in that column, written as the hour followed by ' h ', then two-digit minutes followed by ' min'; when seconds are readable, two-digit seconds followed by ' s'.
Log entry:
6 h 27 min
